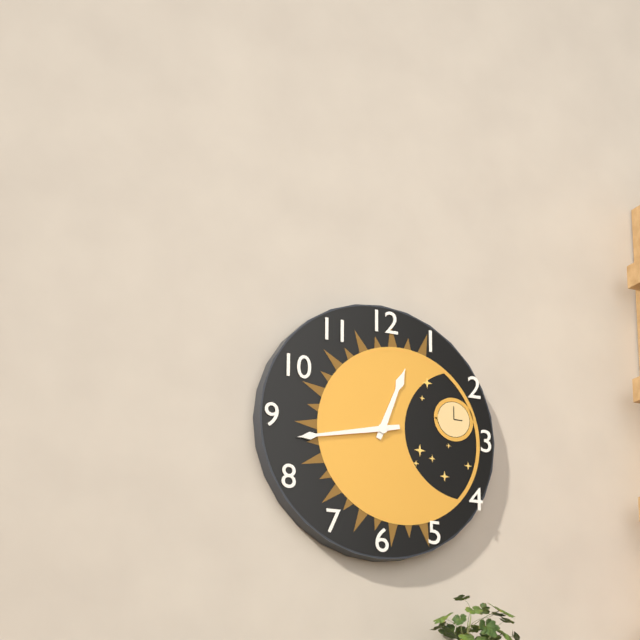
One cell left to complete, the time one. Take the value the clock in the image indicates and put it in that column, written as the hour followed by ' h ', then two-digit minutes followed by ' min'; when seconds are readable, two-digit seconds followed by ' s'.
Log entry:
12 h 43 min
